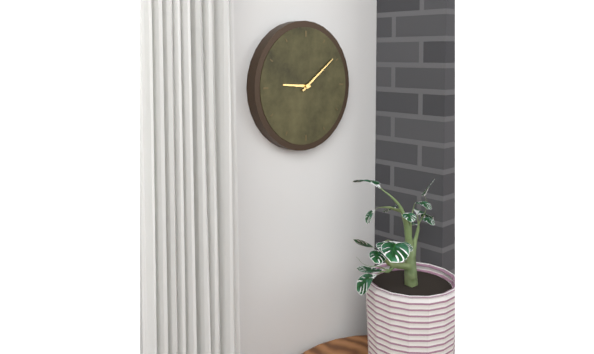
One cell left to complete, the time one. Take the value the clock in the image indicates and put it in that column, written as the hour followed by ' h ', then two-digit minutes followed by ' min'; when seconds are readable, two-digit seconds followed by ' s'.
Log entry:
9 h 09 min
